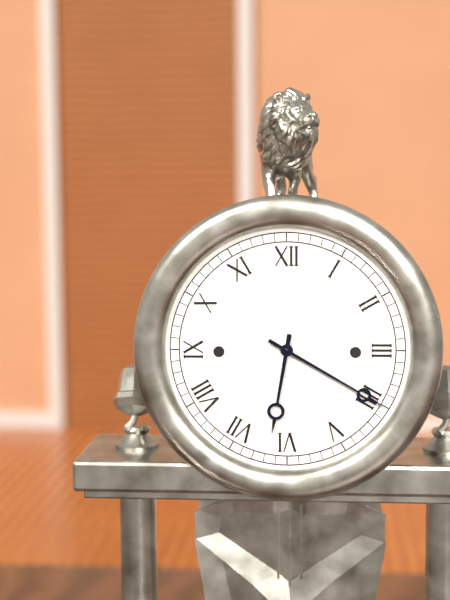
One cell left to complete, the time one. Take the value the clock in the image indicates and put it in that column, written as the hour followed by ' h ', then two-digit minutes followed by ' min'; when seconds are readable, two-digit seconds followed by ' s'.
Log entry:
6 h 20 min
